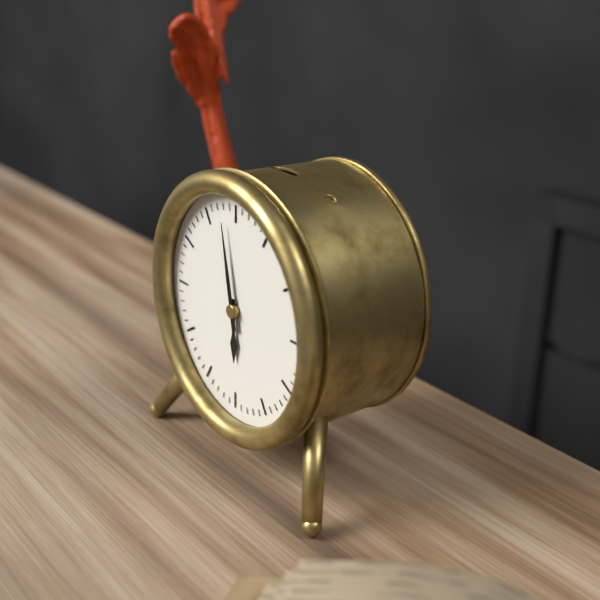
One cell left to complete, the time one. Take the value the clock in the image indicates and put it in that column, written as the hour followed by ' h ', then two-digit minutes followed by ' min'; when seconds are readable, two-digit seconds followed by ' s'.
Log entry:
5 h 58 min
